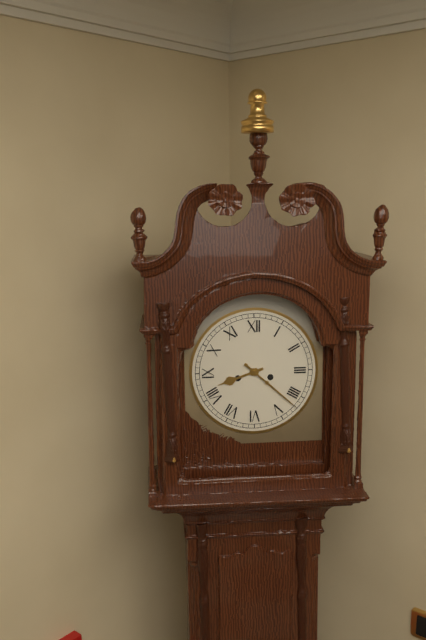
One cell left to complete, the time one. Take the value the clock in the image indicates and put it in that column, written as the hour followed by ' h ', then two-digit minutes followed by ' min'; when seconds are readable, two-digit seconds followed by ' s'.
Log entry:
8 h 22 min
